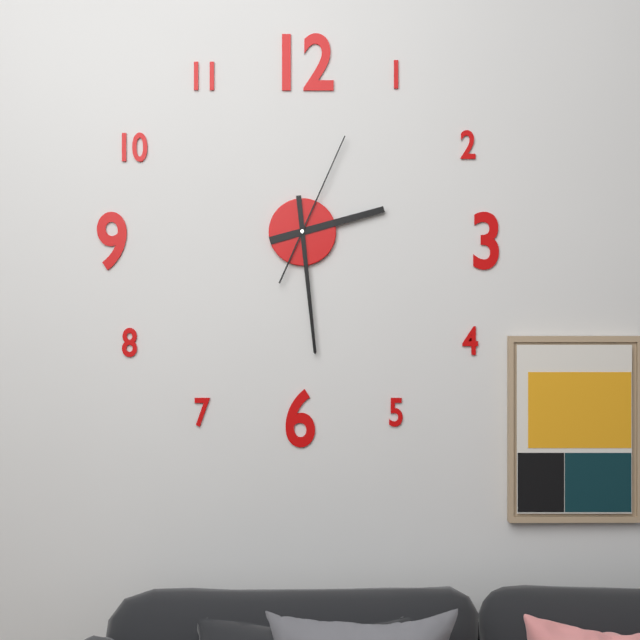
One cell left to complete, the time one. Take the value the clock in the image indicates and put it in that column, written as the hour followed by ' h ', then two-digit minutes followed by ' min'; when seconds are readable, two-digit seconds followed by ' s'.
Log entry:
2 h 29 min 04 s
